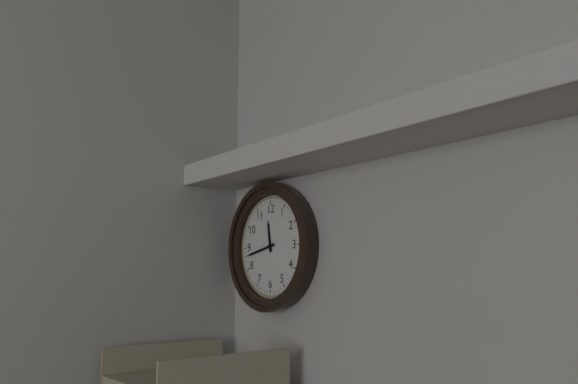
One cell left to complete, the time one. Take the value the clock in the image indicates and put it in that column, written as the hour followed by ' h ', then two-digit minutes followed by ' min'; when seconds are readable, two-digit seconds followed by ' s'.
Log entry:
11 h 43 min
